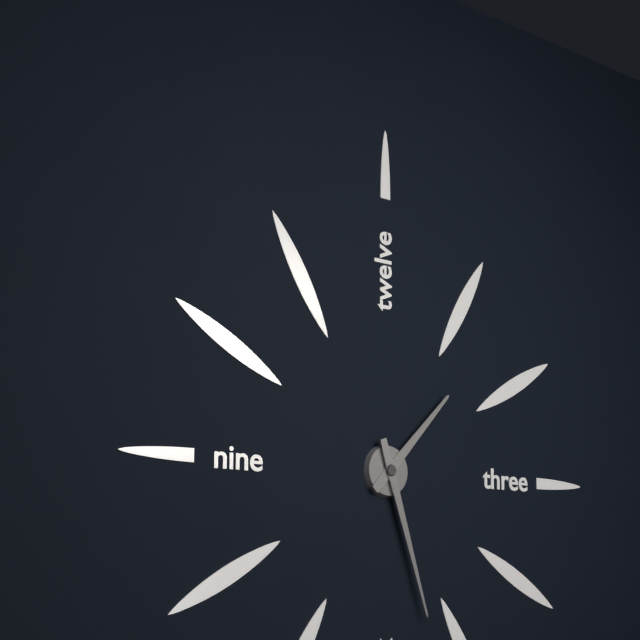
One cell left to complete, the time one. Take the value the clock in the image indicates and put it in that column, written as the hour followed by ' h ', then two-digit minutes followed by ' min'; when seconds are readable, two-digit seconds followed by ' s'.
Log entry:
1 h 27 min
